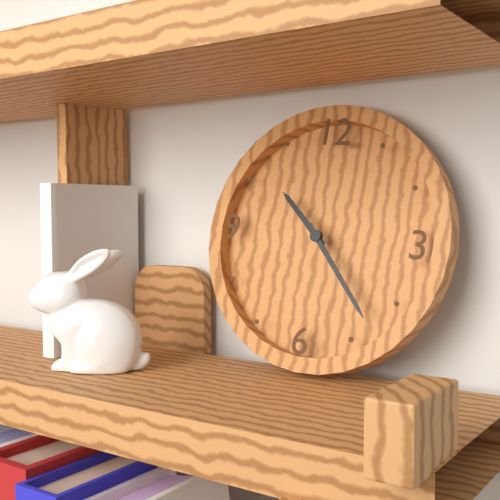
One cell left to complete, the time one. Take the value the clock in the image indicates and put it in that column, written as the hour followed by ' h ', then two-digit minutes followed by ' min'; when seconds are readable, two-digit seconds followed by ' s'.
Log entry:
10 h 23 min
